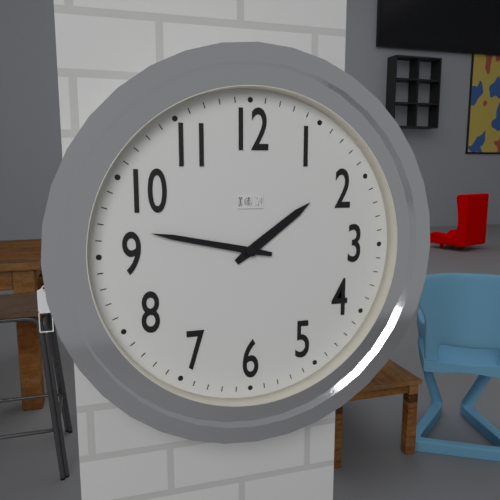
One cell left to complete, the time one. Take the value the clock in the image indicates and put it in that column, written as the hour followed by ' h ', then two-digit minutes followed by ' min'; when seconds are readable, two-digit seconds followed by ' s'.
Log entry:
1 h 47 min
